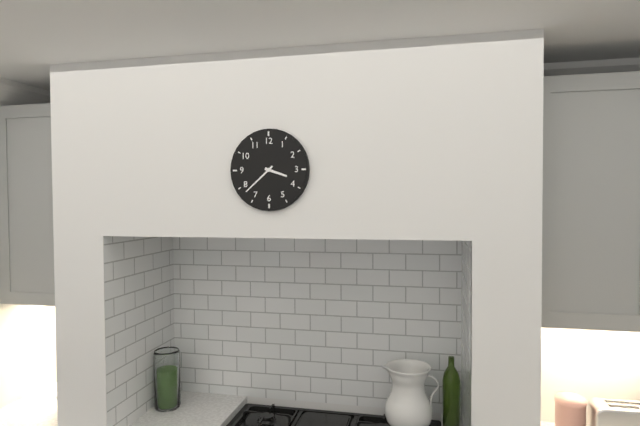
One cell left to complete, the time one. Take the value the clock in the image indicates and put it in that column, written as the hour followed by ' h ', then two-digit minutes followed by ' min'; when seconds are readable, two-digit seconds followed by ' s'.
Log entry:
3 h 38 min
